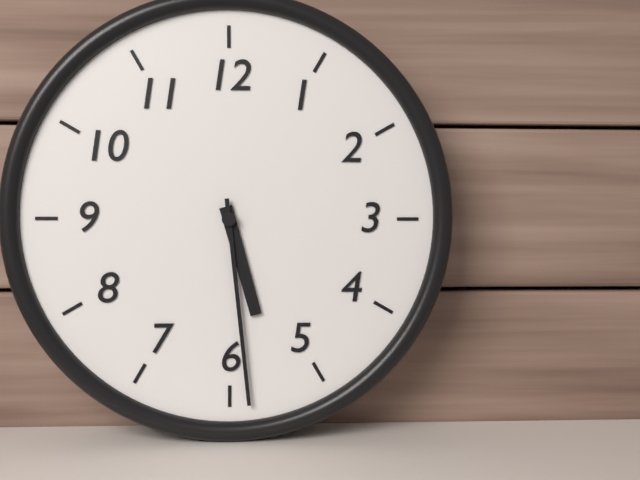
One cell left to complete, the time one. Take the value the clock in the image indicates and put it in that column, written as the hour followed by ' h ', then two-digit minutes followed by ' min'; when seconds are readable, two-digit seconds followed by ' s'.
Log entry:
5 h 29 min
